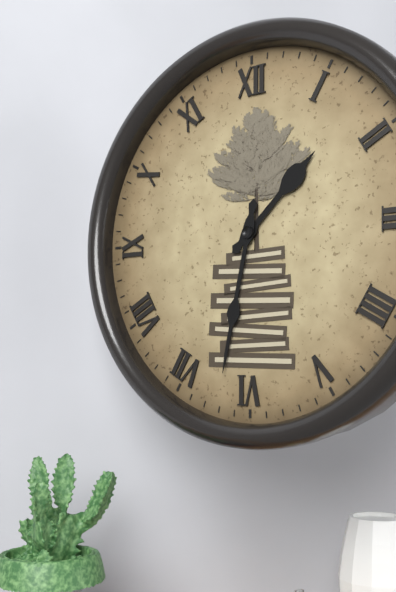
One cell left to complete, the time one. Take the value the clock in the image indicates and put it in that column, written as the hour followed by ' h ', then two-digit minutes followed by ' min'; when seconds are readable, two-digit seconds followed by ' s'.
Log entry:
1 h 32 min
